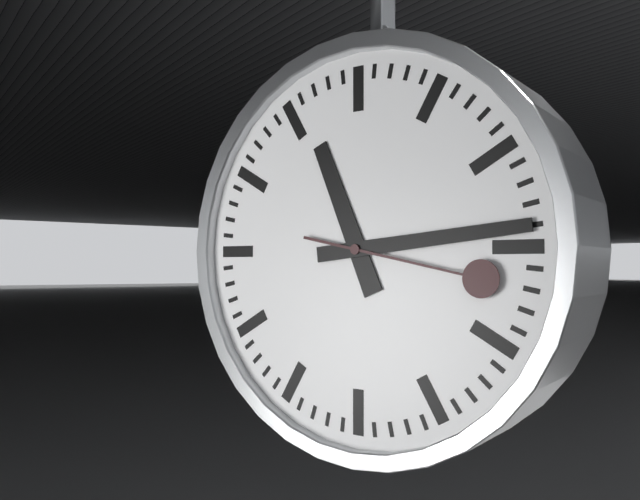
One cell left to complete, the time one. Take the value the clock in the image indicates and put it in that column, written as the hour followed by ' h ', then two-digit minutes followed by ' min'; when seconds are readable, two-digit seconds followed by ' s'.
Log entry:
11 h 14 min 17 s
